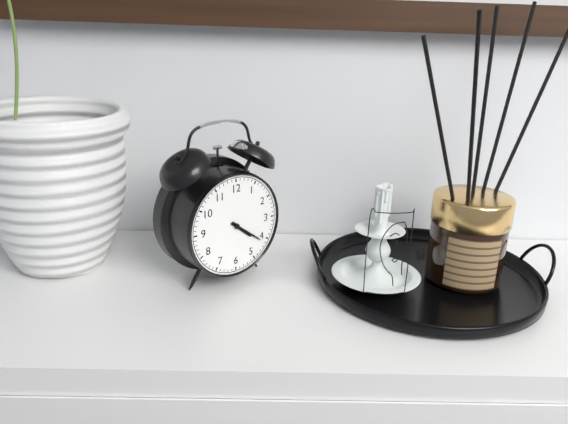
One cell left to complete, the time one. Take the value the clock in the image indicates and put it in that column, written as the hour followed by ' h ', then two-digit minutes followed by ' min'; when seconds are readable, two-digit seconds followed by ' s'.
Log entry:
4 h 21 min
